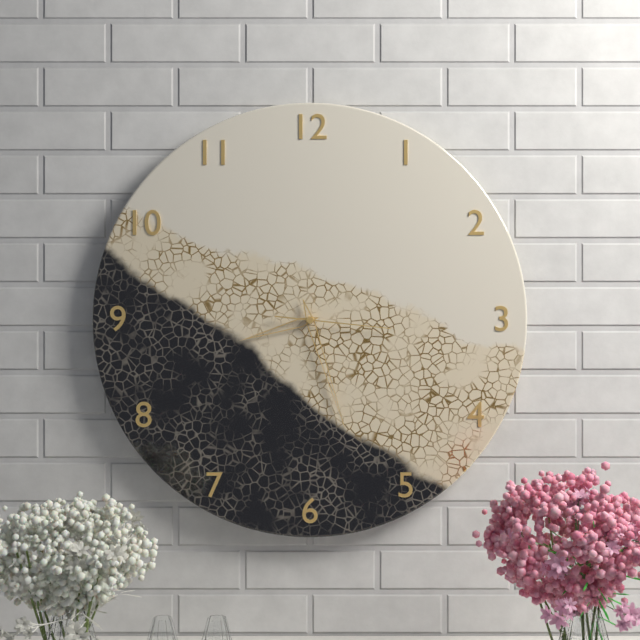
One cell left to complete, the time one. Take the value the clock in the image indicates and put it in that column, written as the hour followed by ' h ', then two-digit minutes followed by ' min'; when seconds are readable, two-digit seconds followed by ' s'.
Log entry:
8 h 27 min 16 s
